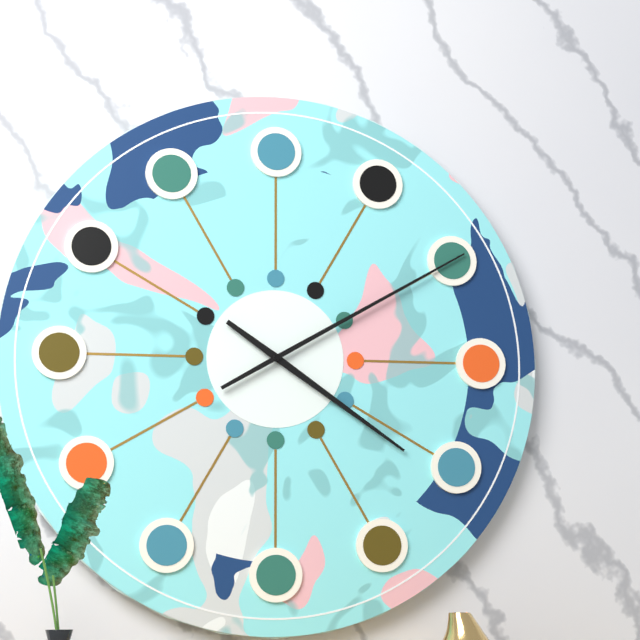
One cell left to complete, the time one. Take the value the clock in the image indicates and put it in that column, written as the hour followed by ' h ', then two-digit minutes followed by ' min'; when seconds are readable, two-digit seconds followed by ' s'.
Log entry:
4 h 10 min
